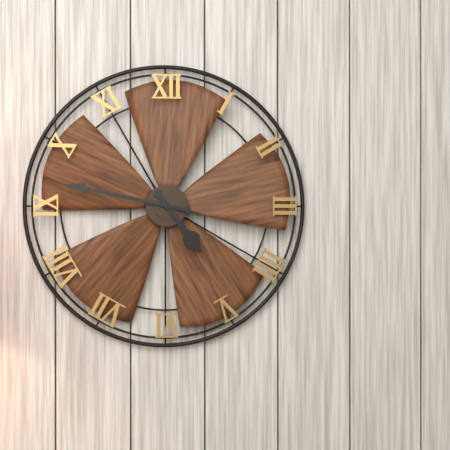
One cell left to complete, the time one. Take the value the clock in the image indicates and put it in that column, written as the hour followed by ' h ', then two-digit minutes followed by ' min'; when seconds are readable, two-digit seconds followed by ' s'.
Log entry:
4 h 47 min
